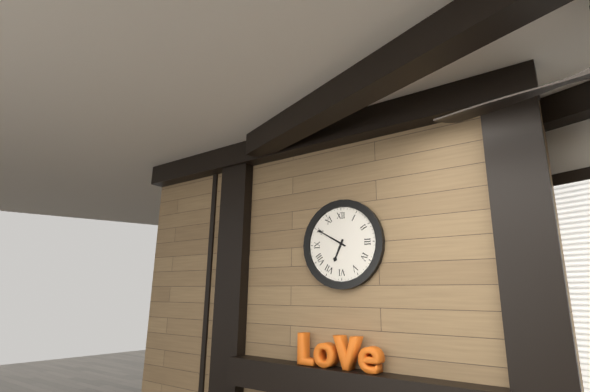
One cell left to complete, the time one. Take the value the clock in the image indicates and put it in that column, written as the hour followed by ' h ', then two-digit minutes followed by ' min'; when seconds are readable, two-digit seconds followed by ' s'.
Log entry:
6 h 50 min
